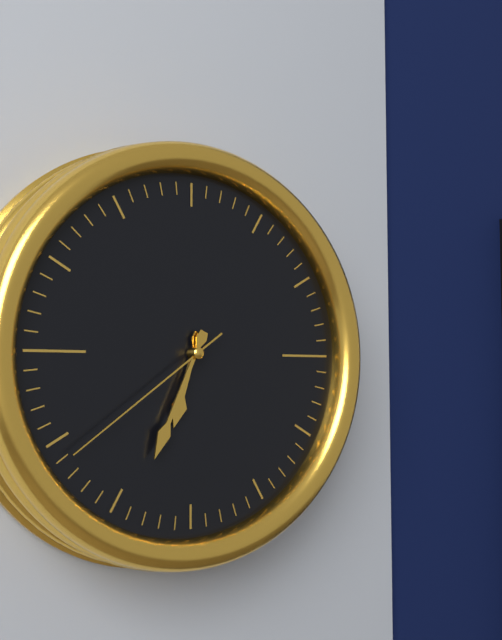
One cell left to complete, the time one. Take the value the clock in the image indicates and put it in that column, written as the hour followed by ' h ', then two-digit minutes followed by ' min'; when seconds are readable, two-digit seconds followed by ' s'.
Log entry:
6 h 34 min 39 s
